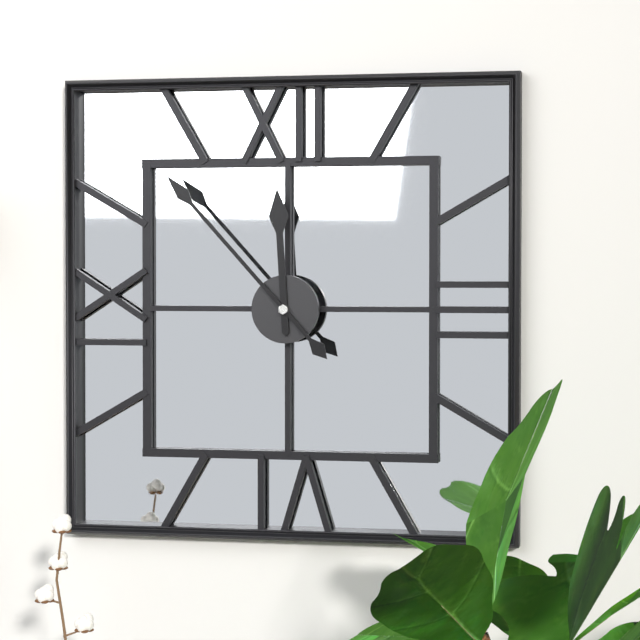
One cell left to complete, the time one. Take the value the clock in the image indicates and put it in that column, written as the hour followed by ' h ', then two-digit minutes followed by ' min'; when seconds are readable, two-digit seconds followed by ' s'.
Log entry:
11 h 53 min
